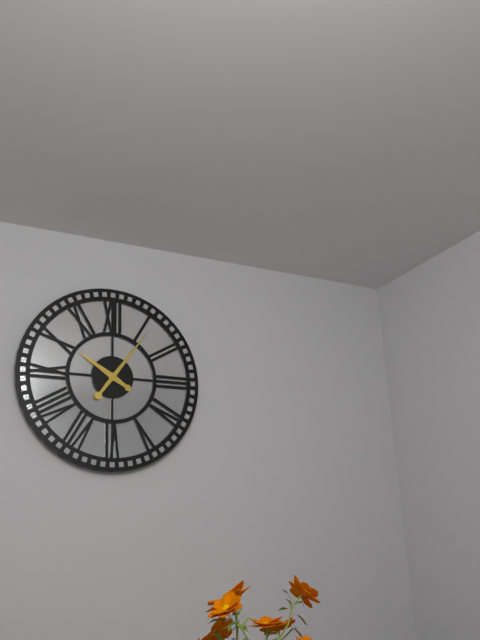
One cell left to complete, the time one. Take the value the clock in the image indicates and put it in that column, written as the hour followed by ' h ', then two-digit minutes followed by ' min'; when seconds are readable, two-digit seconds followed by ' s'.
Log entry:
10 h 06 min
